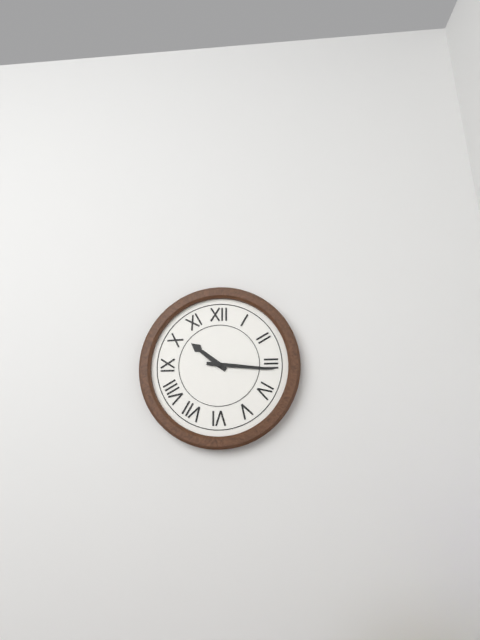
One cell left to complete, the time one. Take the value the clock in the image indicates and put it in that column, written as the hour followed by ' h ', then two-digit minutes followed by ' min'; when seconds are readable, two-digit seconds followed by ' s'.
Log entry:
10 h 16 min
